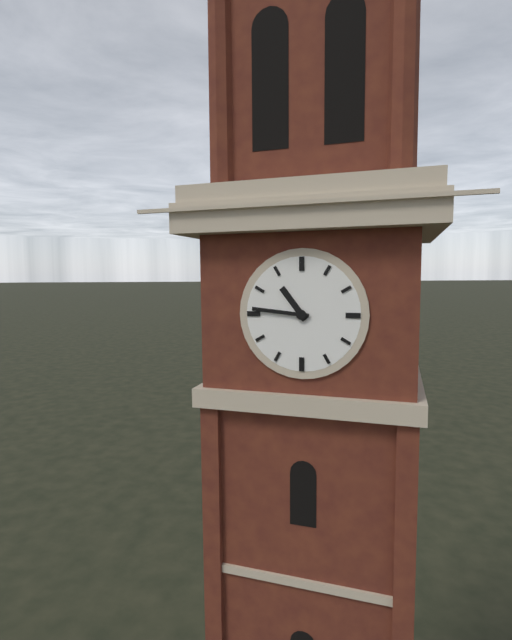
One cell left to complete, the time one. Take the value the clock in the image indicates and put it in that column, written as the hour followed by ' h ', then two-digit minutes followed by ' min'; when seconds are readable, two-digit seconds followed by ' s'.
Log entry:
10 h 46 min
